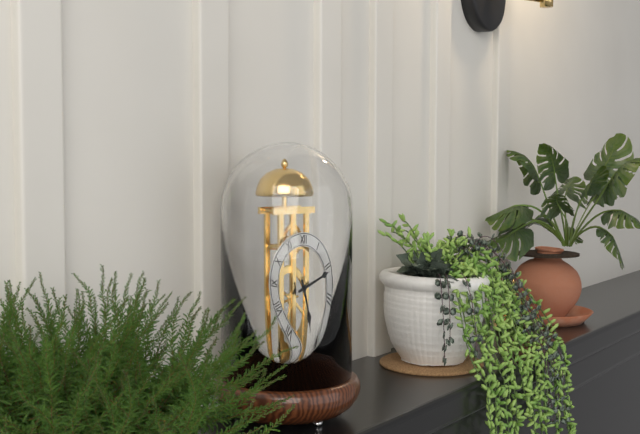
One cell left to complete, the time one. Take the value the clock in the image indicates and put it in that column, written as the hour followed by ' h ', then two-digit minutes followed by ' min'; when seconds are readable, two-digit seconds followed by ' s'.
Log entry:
5 h 11 min
